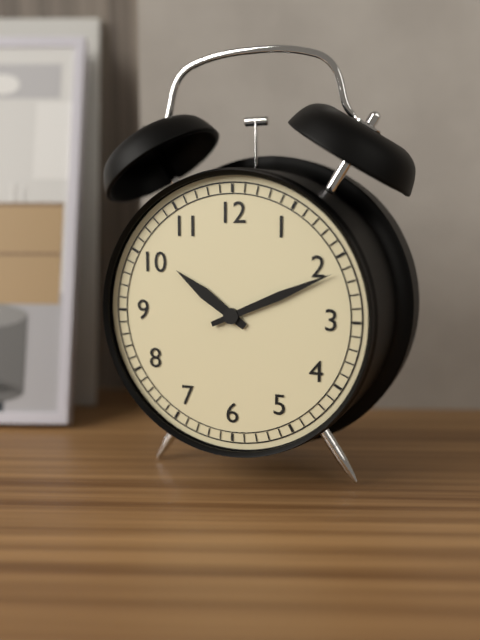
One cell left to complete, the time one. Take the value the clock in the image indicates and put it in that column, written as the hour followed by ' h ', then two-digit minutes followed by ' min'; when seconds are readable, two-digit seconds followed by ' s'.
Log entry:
10 h 11 min
